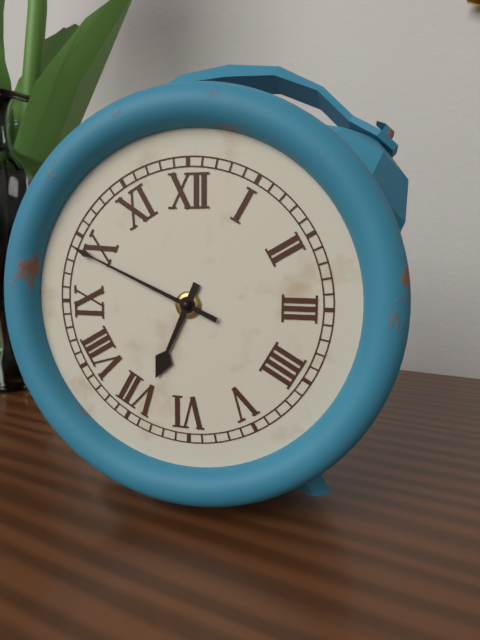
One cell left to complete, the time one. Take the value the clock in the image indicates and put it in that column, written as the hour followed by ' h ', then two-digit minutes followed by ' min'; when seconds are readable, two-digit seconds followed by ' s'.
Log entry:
6 h 49 min
